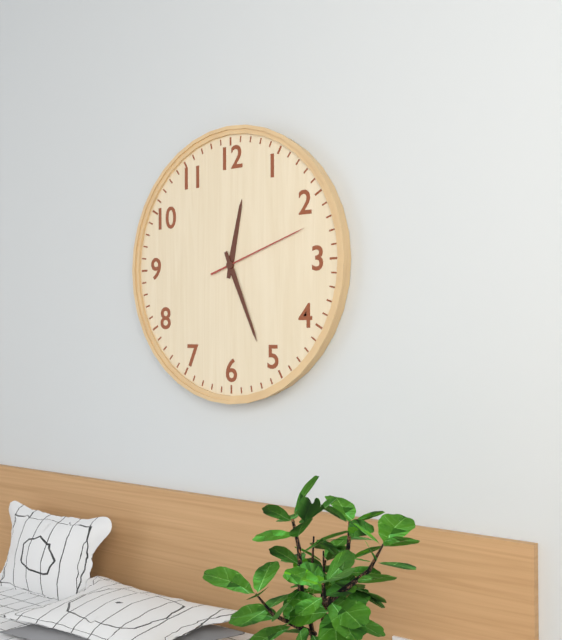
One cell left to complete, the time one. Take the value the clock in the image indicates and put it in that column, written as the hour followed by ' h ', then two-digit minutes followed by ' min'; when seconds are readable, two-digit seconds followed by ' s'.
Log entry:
12 h 26 min 12 s
